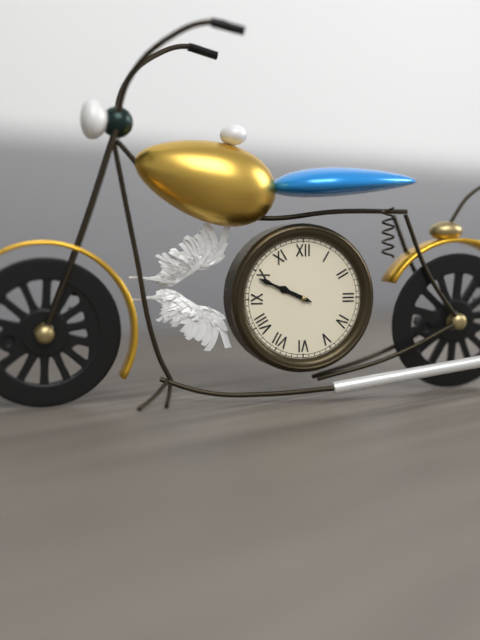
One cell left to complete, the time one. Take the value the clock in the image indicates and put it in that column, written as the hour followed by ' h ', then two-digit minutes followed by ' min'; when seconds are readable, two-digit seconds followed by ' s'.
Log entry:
9 h 49 min
